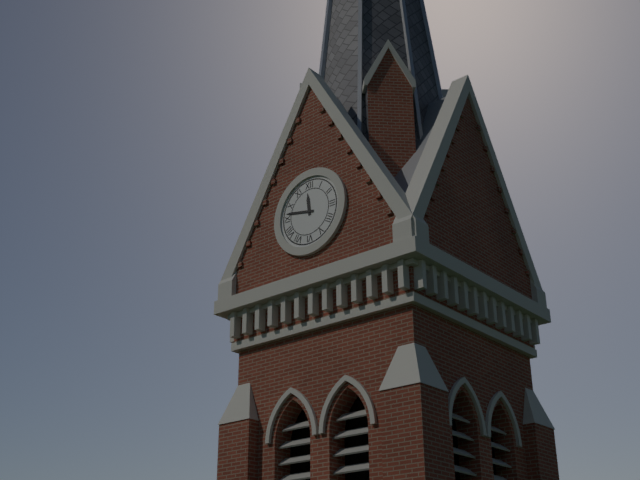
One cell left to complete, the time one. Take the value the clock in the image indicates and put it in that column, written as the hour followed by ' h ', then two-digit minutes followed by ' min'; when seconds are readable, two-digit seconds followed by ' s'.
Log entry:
11 h 47 min
